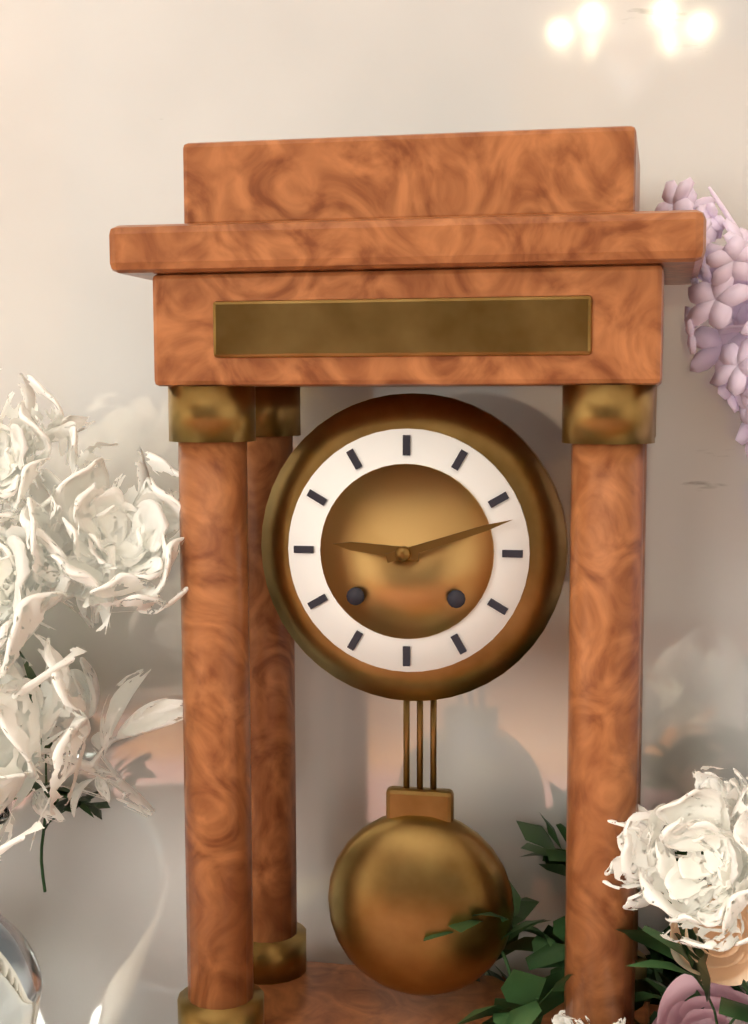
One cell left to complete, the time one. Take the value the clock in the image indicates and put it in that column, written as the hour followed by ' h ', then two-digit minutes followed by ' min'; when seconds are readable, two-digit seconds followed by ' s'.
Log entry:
9 h 12 min
